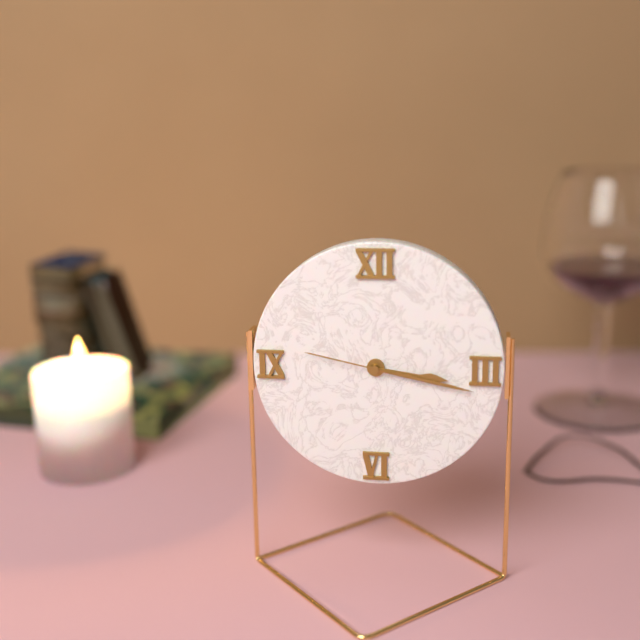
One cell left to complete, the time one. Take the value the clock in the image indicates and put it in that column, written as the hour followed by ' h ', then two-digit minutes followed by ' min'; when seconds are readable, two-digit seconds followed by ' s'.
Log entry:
3 h 17 min 47 s
